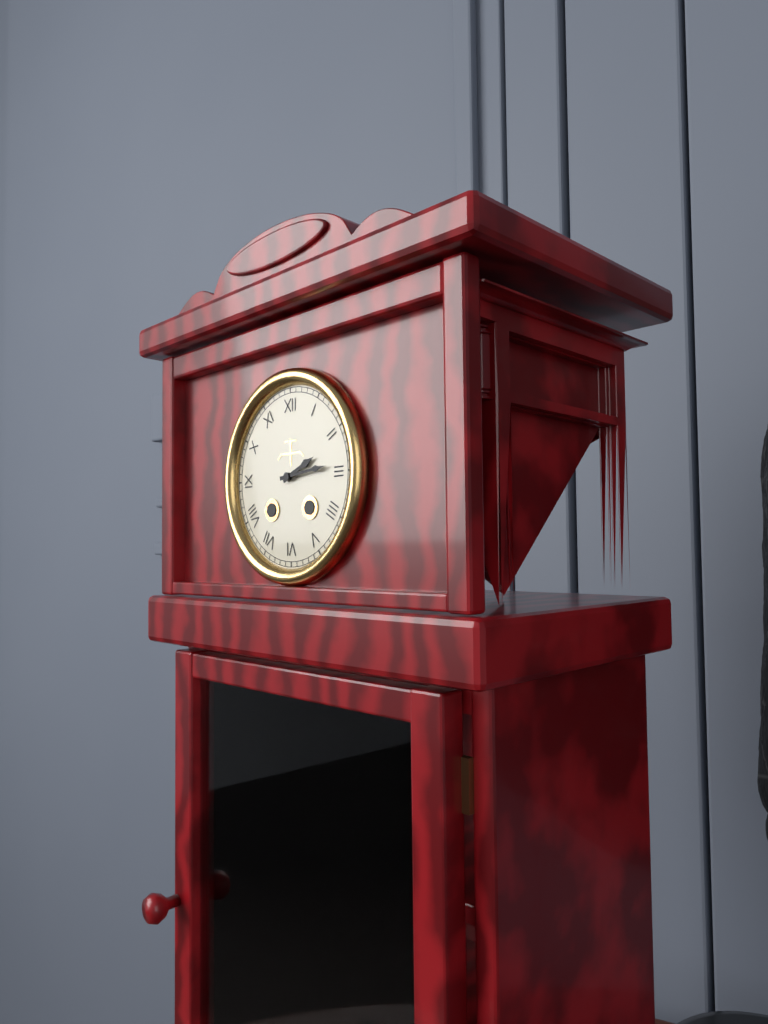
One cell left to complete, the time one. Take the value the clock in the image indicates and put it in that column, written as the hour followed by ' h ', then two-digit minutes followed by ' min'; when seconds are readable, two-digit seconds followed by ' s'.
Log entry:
2 h 14 min
